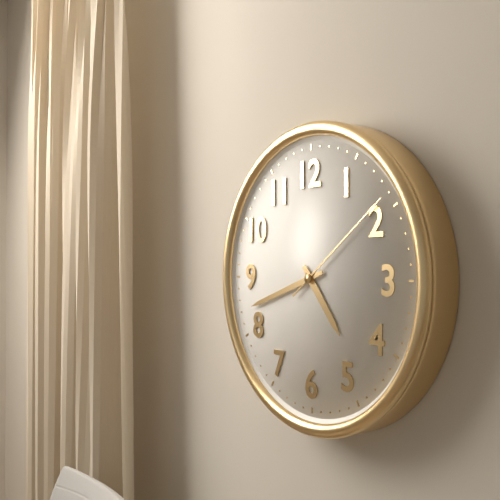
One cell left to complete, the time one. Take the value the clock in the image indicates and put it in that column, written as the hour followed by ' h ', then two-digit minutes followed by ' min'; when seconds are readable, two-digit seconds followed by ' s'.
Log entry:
4 h 42 min 09 s
